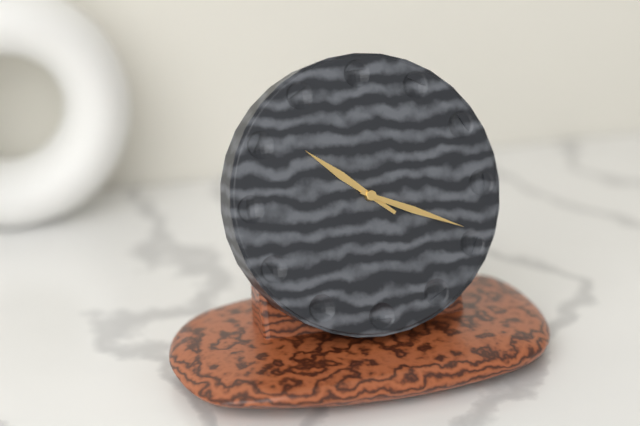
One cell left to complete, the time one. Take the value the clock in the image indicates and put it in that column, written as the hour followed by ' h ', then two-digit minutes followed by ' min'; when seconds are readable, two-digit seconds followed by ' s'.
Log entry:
10 h 19 min
